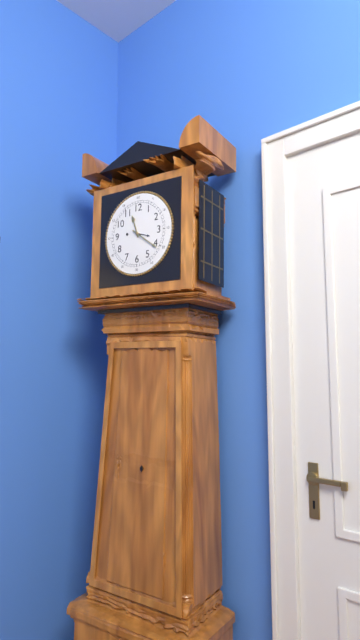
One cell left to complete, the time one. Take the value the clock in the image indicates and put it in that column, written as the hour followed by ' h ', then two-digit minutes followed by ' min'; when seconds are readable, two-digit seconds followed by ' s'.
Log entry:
11 h 21 min
